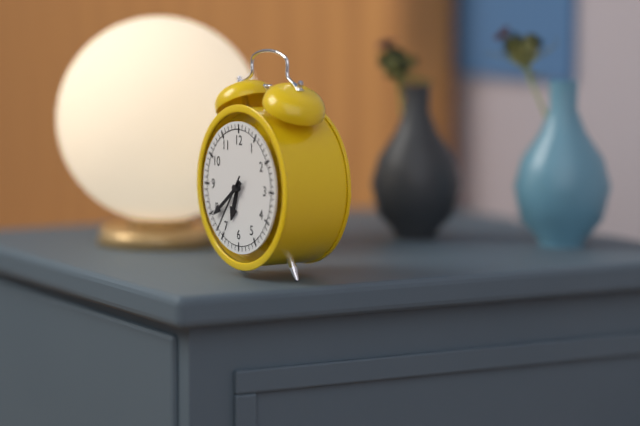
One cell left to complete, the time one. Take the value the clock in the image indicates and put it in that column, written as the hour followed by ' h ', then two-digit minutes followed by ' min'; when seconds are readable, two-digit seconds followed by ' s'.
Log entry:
6 h 39 min 36 s
